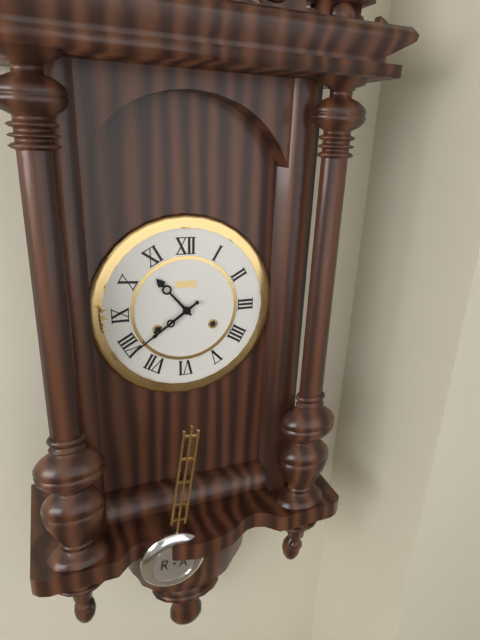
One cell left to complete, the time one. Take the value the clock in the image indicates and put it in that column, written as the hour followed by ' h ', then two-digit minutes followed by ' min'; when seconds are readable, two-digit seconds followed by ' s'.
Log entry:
10 h 39 min
